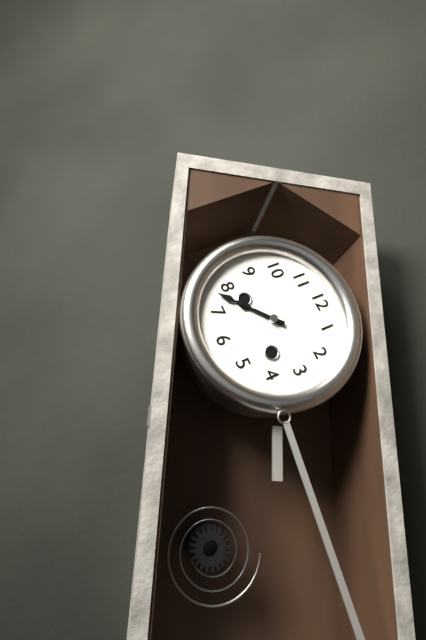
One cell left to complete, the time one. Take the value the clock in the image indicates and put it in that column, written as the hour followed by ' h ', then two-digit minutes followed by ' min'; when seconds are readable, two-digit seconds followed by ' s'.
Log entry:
7 h 38 min
